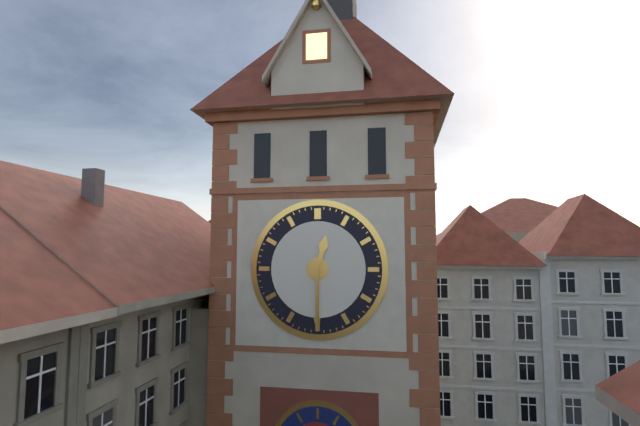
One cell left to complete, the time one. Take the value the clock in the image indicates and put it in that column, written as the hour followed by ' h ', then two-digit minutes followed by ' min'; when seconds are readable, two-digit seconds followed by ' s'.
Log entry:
12 h 30 min
